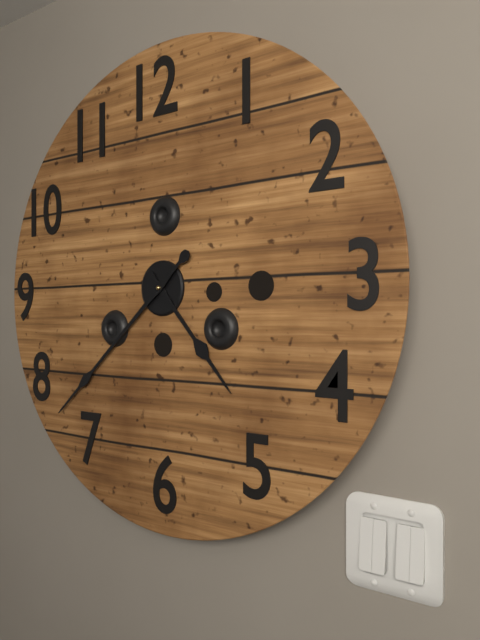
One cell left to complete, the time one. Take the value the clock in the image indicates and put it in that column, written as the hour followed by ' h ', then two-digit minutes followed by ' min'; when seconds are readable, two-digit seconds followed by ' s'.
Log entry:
4 h 38 min
